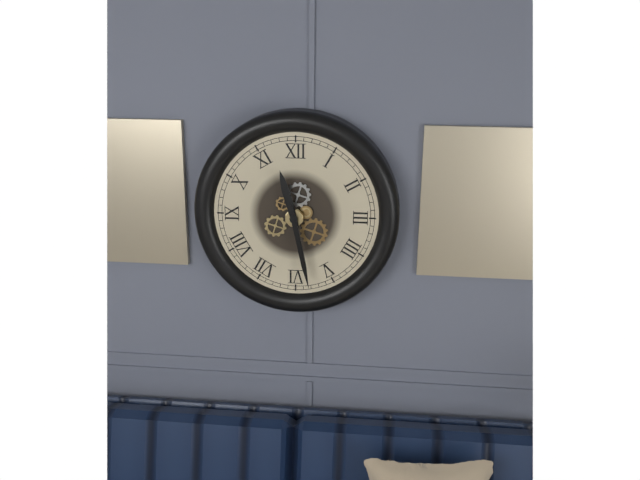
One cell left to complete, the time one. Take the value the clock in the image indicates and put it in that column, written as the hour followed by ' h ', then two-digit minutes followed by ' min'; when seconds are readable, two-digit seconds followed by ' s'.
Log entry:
11 h 28 min
